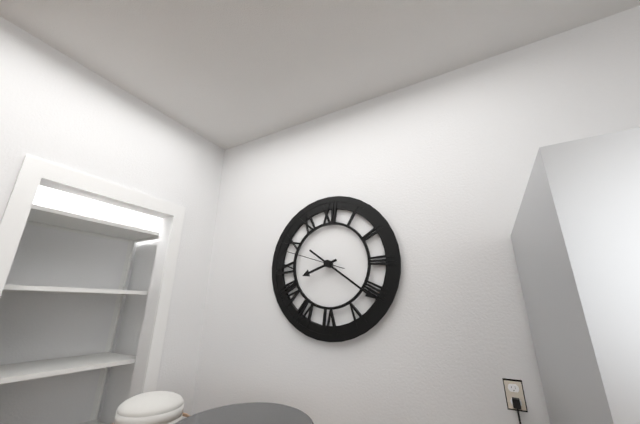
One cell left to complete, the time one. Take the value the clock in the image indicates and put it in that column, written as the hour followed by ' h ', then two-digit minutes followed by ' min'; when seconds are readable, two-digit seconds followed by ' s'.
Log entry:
8 h 21 min 48 s
